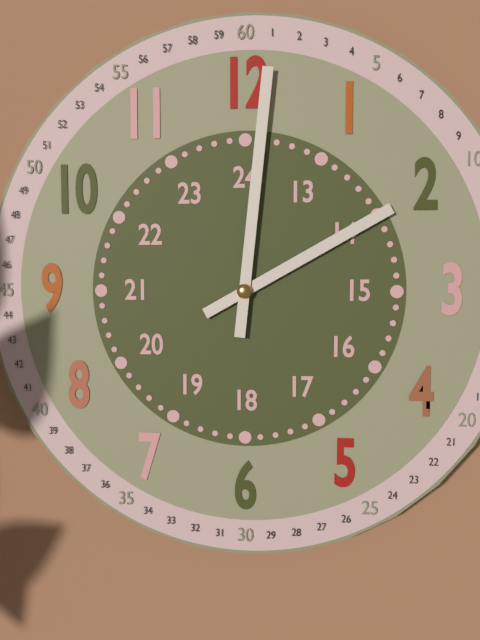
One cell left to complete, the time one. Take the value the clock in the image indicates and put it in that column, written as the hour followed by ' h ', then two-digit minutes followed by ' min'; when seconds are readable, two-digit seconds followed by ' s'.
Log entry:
2 h 01 min
